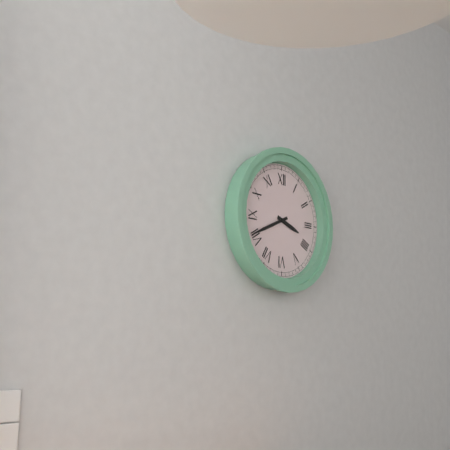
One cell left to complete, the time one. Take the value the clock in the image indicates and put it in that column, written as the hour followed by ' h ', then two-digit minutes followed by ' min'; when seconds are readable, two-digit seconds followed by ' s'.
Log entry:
3 h 41 min
